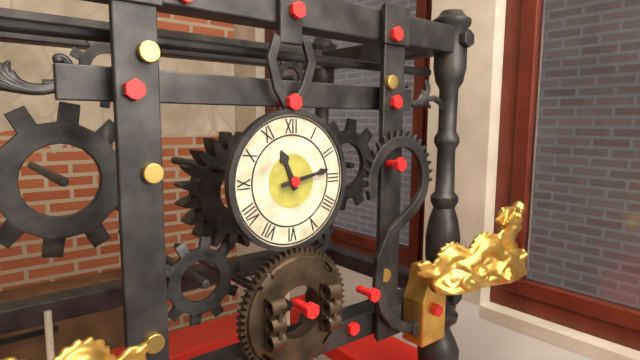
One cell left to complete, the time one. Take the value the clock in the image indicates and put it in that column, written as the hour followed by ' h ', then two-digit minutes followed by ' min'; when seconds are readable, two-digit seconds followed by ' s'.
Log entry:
11 h 13 min
